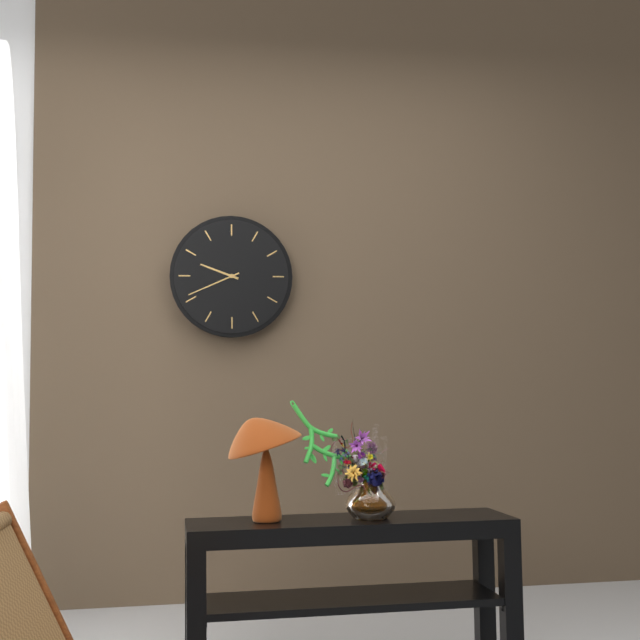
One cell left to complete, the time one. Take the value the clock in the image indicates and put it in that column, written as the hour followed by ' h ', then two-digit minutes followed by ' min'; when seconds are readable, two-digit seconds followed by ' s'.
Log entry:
9 h 41 min
